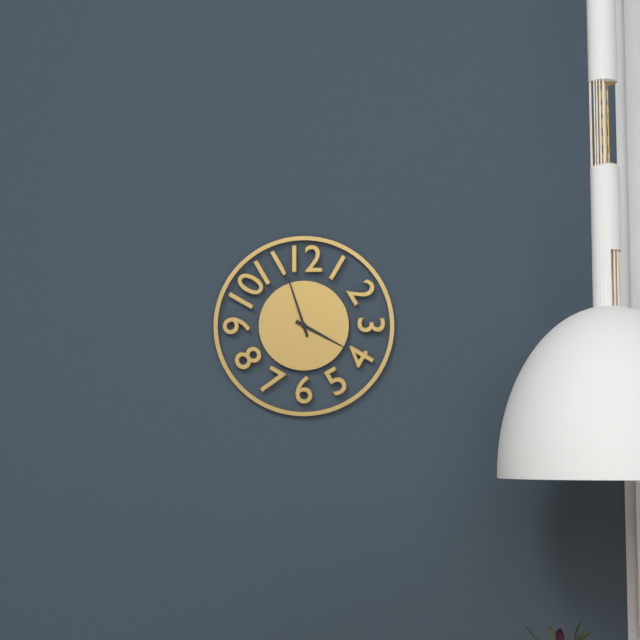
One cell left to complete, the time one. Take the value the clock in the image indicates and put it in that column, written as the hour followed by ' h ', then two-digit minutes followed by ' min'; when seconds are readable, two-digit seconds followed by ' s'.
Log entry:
3 h 57 min
